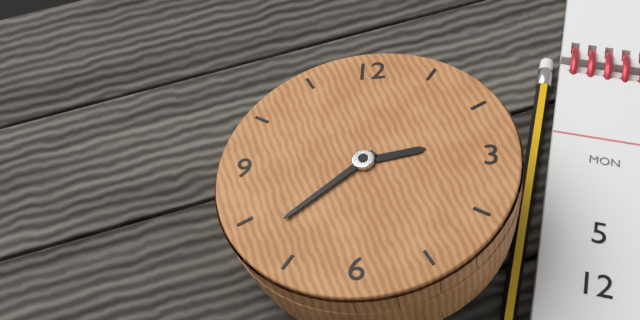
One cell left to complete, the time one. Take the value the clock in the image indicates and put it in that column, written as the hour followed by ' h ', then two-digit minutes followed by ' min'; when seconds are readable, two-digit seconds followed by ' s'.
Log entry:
2 h 38 min
